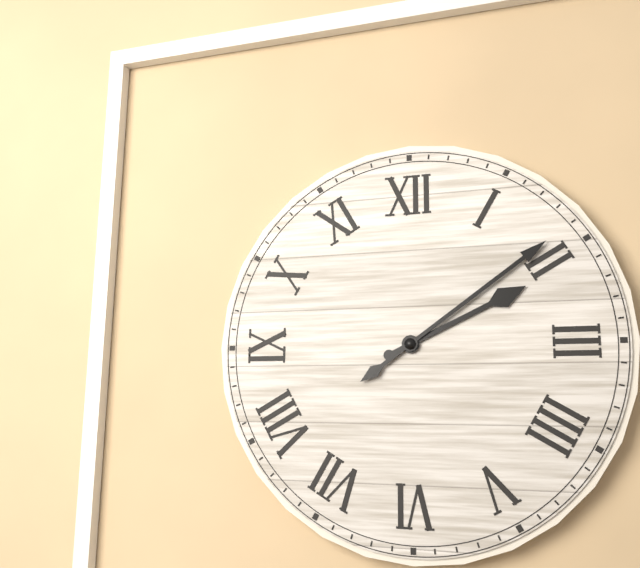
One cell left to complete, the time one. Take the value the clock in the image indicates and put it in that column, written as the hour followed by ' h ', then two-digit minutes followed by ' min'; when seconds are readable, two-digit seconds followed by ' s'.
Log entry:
2 h 09 min
